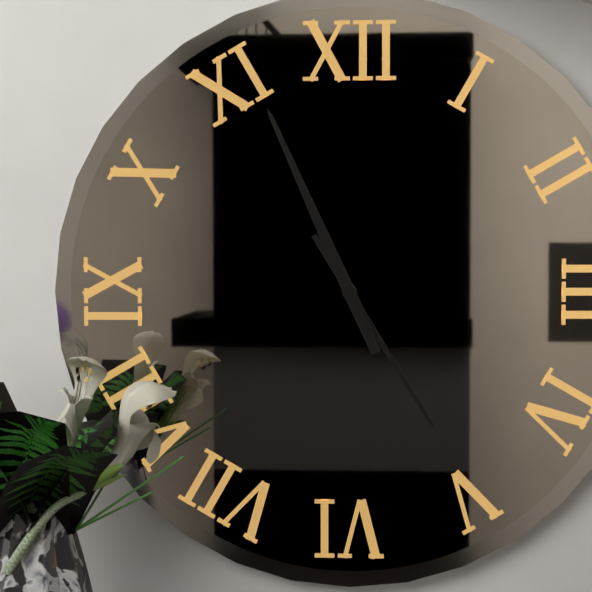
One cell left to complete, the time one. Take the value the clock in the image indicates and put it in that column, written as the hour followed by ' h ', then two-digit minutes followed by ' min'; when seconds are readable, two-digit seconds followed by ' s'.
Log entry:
4 h 56 min
